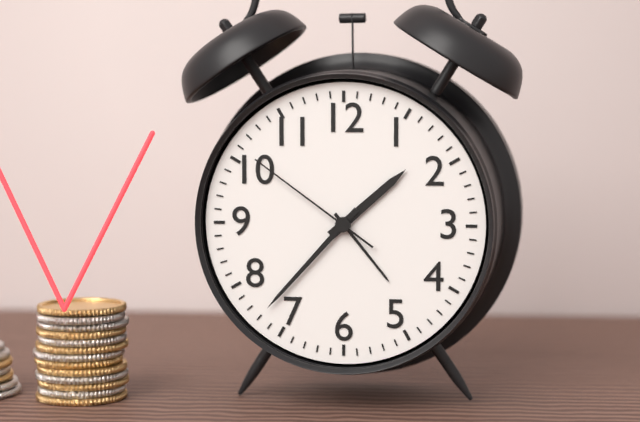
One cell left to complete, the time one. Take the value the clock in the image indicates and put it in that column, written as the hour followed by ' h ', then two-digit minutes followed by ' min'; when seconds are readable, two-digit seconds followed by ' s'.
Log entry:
1 h 37 min 51 s
